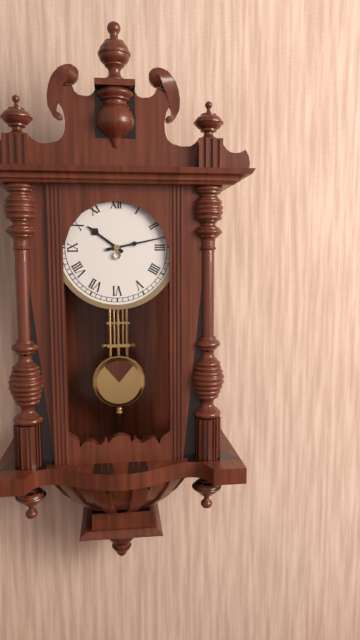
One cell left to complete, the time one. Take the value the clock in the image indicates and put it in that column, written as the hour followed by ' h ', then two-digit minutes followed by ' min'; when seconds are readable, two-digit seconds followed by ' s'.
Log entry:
10 h 13 min
